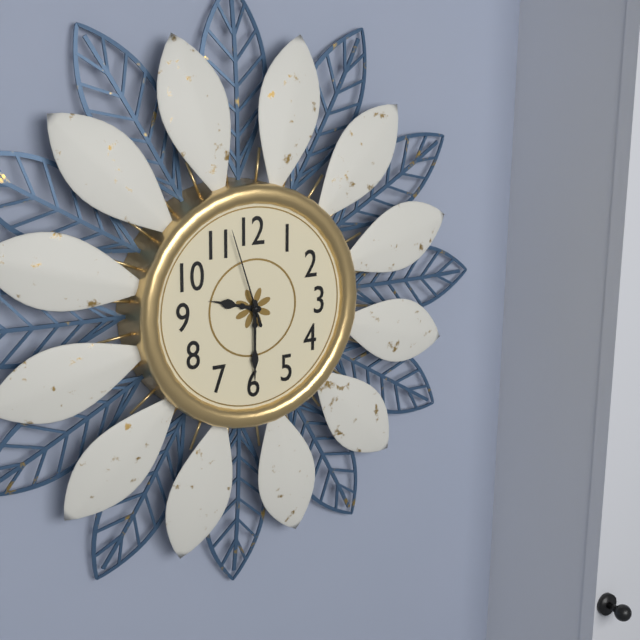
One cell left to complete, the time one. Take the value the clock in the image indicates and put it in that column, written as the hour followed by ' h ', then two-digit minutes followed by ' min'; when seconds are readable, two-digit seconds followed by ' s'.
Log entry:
9 h 30 min 57 s
